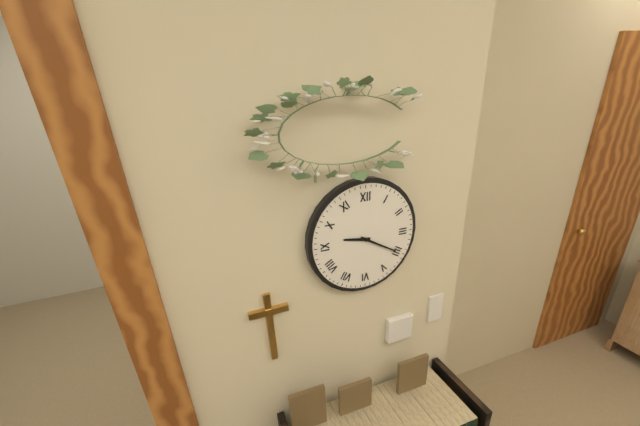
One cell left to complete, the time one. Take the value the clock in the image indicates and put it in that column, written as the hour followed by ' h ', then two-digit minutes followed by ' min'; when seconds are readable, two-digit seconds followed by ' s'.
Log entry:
9 h 20 min
